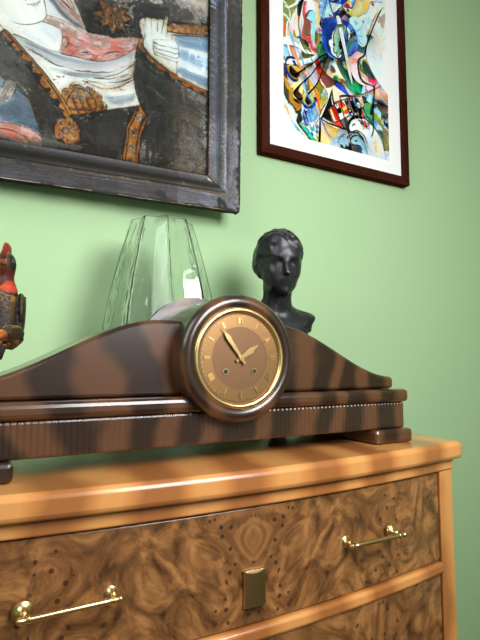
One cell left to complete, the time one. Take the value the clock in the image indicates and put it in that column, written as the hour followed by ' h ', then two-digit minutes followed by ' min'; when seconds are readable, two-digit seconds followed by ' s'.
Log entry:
1 h 54 min
